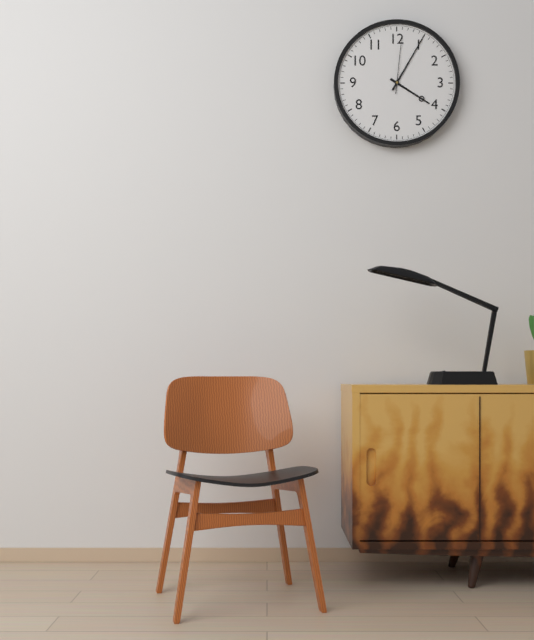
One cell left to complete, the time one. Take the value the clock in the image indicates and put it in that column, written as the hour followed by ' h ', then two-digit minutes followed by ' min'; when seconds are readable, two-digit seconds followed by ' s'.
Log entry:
4 h 05 min 01 s
